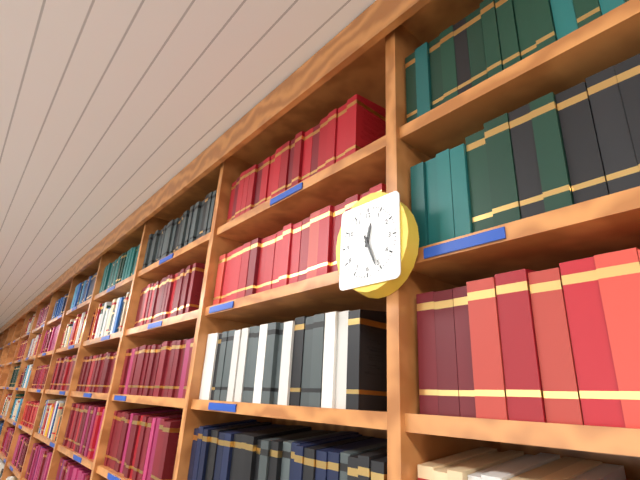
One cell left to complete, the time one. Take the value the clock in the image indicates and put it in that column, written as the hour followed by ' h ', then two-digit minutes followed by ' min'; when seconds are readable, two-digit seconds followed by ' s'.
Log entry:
12 h 26 min
